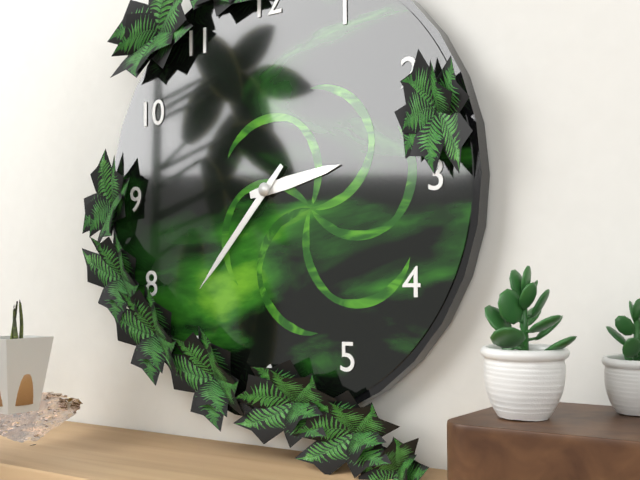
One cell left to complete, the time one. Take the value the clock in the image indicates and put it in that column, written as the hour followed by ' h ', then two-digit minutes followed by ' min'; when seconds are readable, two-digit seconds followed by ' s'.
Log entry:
2 h 37 min
